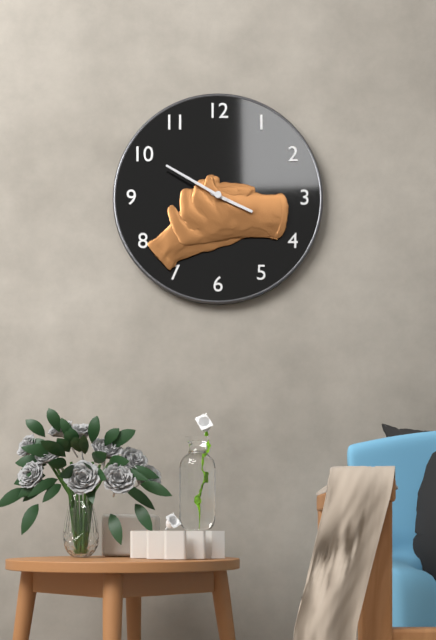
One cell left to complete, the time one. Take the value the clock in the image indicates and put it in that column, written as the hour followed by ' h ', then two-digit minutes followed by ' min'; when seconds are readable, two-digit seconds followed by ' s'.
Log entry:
3 h 50 min
